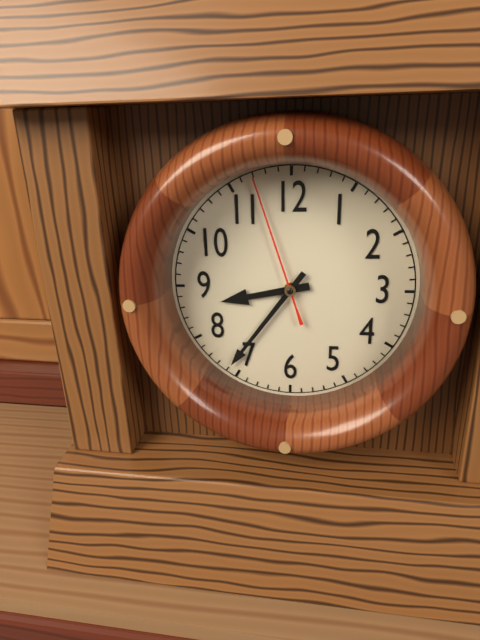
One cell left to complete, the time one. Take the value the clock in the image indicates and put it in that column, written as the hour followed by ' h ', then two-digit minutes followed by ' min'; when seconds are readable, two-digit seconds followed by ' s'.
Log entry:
8 h 36 min 57 s
